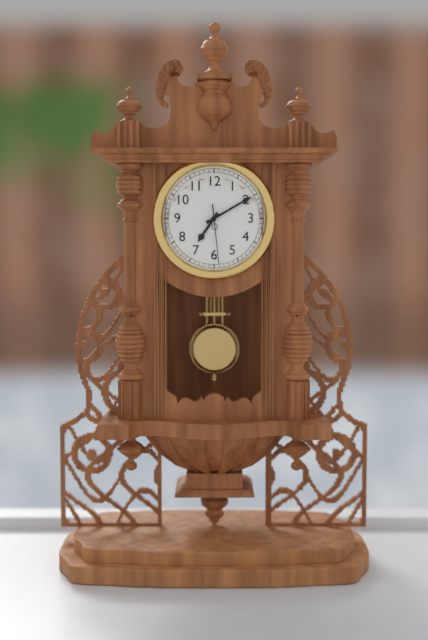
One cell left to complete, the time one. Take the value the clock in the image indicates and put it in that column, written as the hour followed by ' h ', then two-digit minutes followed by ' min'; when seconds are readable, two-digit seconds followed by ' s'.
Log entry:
7 h 10 min 29 s
